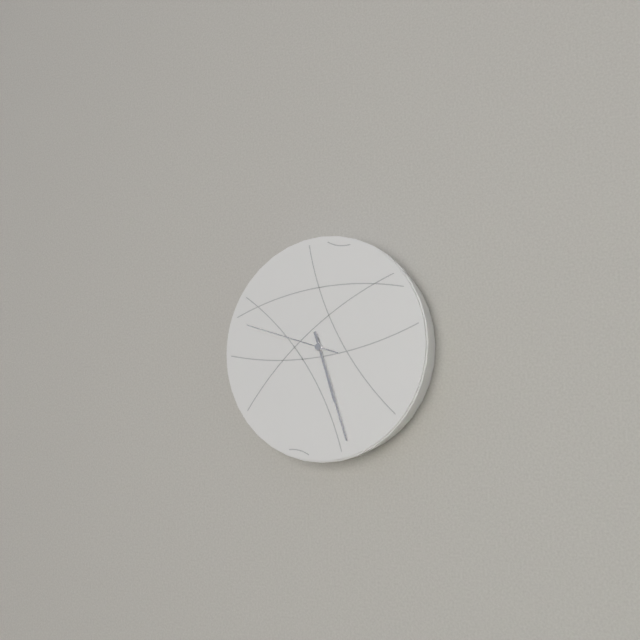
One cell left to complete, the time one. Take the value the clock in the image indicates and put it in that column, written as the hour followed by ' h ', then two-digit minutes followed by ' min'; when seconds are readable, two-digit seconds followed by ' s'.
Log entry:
5 h 27 min 48 s
